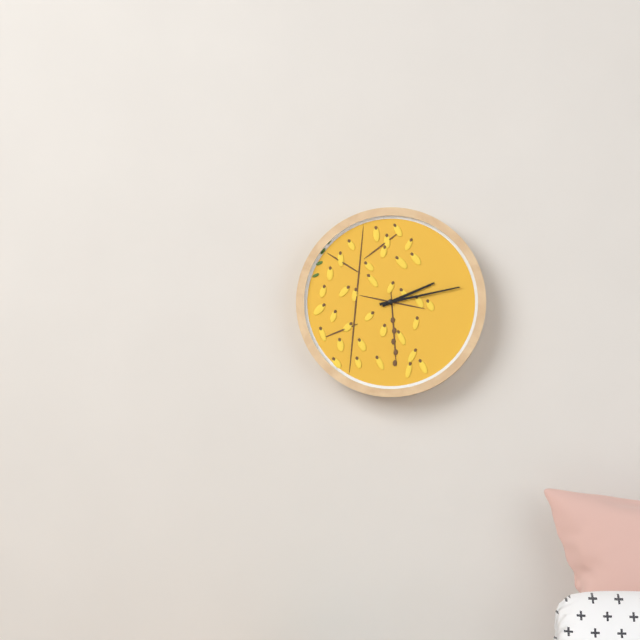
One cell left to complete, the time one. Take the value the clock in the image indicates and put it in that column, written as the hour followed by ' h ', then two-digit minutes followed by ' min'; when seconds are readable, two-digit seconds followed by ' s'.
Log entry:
2 h 13 min
